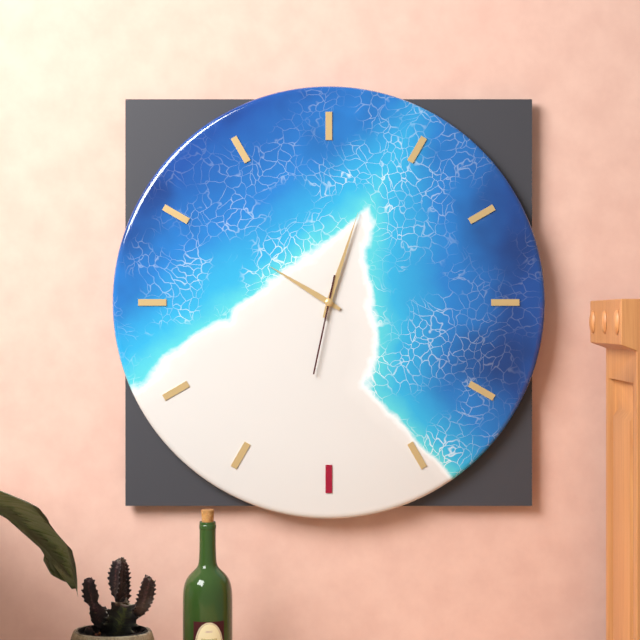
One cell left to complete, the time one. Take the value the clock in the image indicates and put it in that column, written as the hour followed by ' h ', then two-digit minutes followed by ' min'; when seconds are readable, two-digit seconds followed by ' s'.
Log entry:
10 h 03 min 32 s
